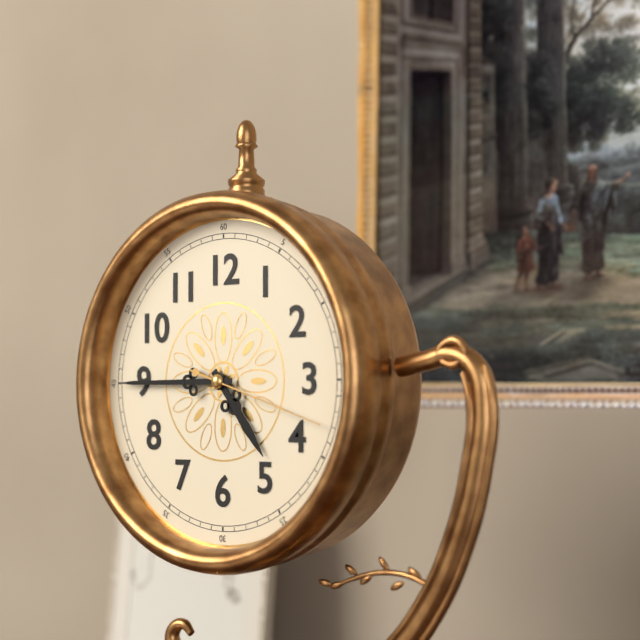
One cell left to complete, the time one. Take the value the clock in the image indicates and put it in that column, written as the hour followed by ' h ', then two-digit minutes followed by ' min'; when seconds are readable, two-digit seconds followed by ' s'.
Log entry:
4 h 45 min 18 s
